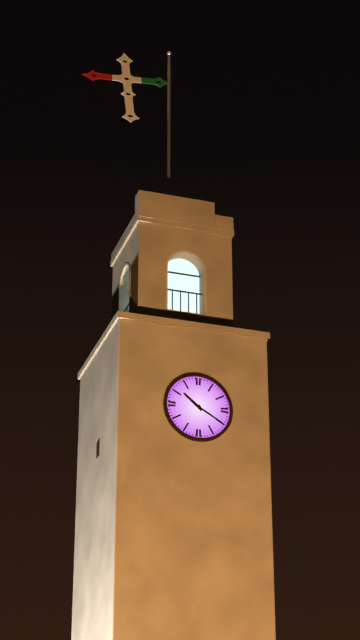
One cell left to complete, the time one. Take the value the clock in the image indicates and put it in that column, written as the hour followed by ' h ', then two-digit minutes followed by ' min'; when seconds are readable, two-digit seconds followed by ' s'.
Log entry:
10 h 20 min
